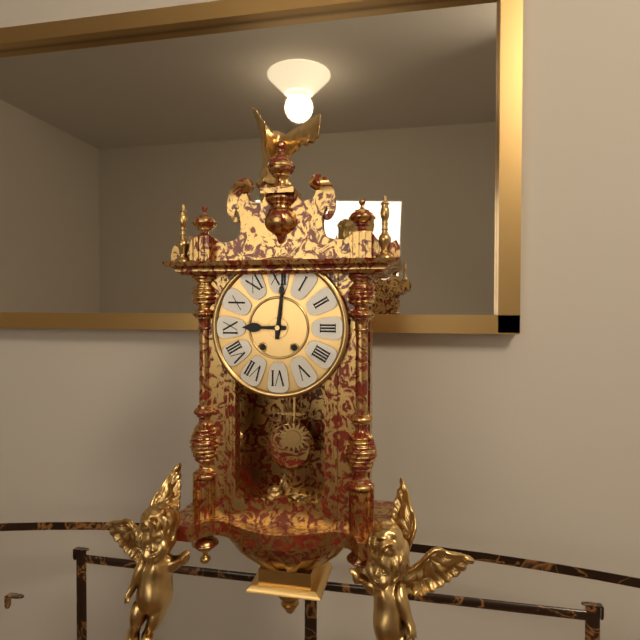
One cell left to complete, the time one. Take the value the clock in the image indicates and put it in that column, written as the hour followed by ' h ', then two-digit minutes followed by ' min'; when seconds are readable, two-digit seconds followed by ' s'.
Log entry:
9 h 01 min
